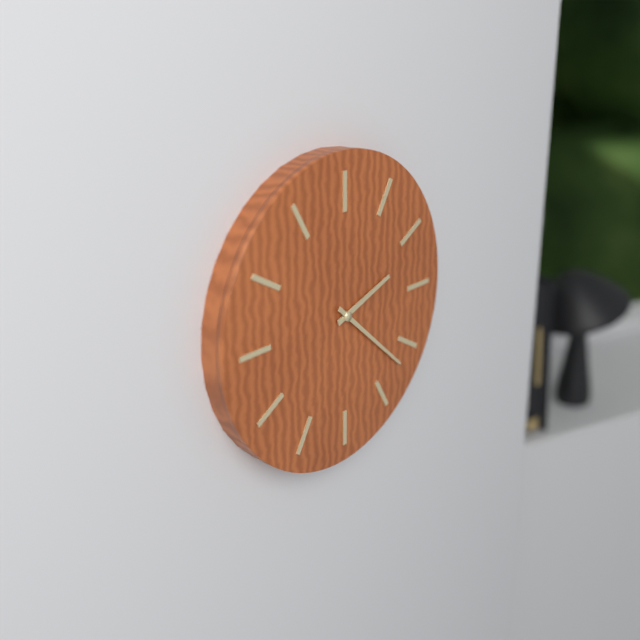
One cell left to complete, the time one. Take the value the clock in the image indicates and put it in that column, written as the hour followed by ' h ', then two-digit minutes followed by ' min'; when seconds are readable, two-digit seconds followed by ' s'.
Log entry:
2 h 22 min
